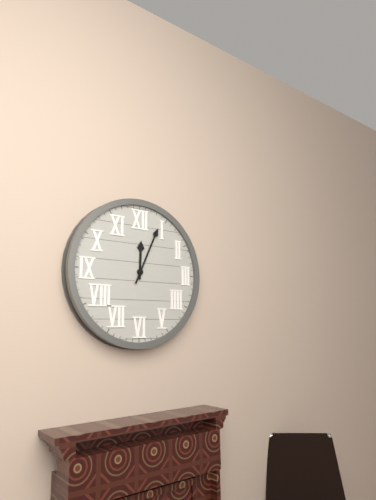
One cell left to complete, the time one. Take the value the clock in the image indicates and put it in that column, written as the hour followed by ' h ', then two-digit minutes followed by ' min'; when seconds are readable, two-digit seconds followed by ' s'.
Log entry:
12 h 04 min
